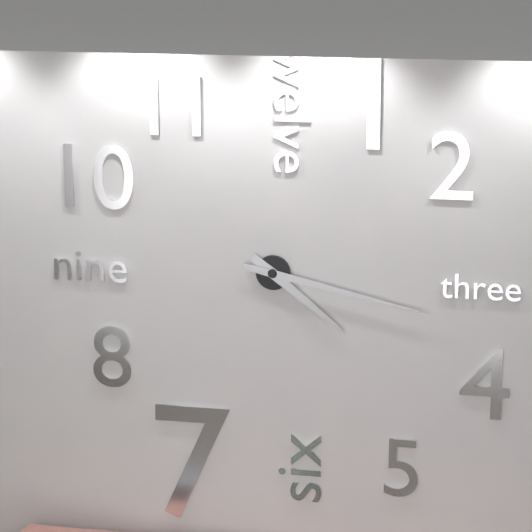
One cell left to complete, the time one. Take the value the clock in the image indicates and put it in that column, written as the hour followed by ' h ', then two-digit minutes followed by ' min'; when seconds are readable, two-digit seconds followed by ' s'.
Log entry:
4 h 17 min
